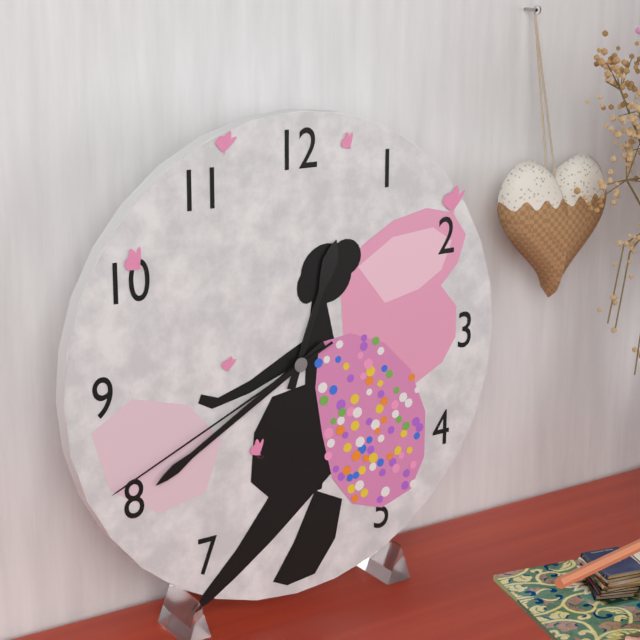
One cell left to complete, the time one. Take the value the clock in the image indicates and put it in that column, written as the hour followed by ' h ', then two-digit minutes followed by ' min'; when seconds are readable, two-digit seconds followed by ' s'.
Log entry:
12 h 40 min 41 s
